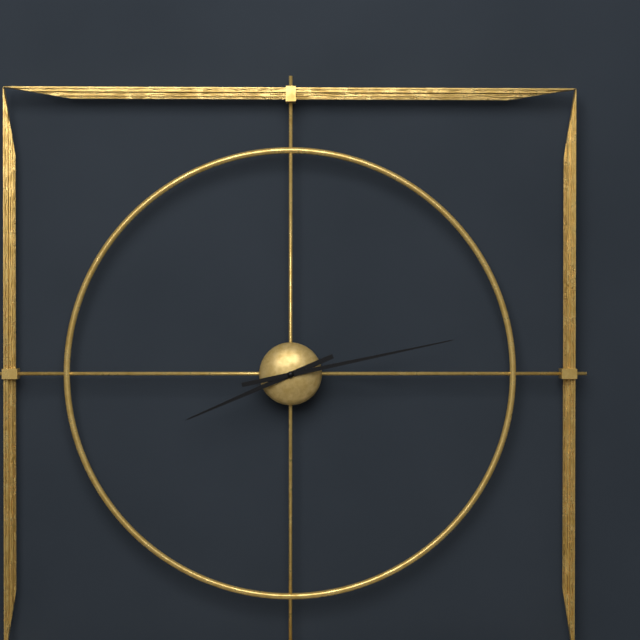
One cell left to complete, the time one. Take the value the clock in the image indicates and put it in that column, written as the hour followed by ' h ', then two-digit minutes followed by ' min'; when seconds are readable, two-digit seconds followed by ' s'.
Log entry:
8 h 13 min
